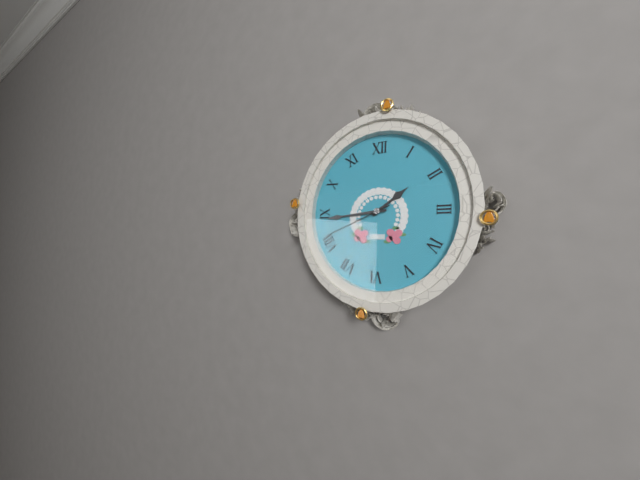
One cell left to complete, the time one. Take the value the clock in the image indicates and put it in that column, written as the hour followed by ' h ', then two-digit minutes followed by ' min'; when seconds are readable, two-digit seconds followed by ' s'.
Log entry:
1 h 44 min 41 s
